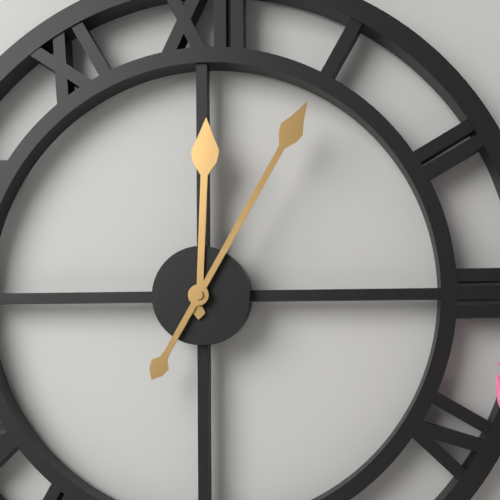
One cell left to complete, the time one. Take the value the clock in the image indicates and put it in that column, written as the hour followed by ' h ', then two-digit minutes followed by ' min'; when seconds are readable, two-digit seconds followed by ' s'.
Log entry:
12 h 05 min
